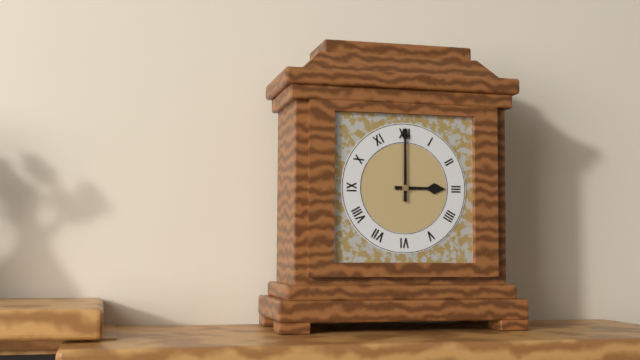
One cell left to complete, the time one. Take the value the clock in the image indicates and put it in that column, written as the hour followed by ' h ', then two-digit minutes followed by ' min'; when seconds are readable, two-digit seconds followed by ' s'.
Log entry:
3 h 00 min
